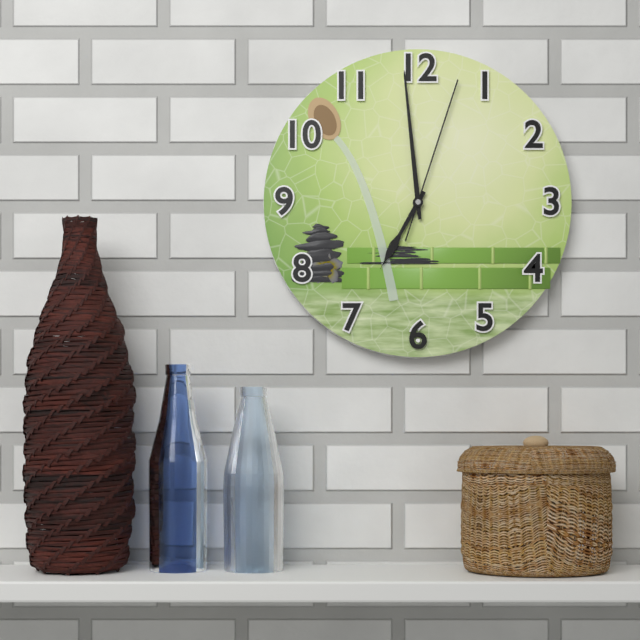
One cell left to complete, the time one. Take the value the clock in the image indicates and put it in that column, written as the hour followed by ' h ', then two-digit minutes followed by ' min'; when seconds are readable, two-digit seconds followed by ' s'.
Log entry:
6 h 59 min 03 s
